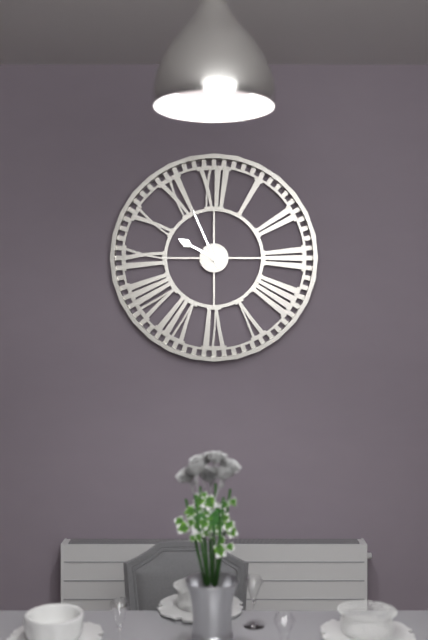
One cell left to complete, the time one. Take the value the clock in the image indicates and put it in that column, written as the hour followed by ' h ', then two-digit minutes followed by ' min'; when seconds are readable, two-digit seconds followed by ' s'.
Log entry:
9 h 56 min
